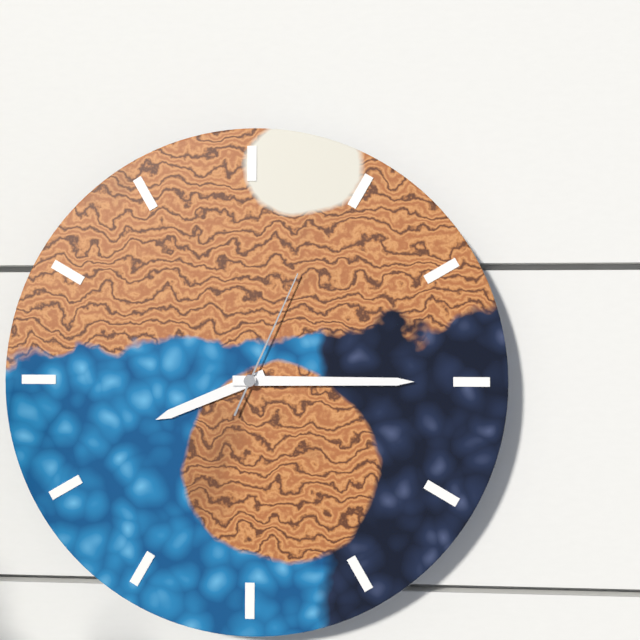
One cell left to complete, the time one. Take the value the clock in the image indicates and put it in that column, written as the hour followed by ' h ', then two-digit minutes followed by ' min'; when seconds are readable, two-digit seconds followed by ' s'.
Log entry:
8 h 15 min 04 s
